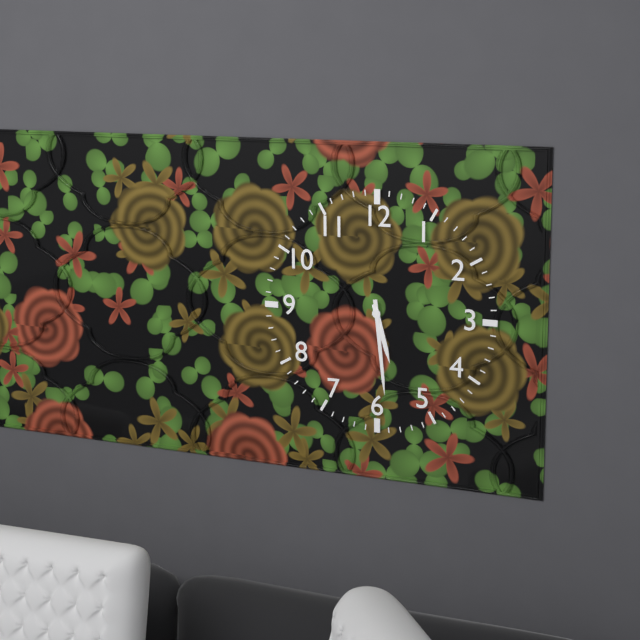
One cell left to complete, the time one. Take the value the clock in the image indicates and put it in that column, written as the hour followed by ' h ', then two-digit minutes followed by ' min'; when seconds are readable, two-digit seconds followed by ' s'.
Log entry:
5 h 29 min
